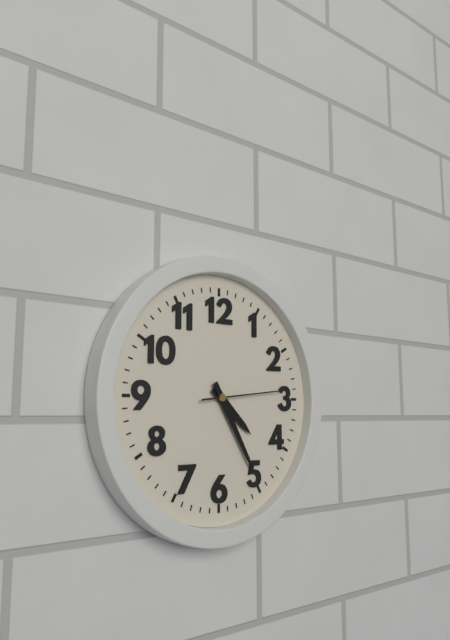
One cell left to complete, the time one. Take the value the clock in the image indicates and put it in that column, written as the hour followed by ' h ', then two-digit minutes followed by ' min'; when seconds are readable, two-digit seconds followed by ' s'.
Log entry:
4 h 25 min 14 s
